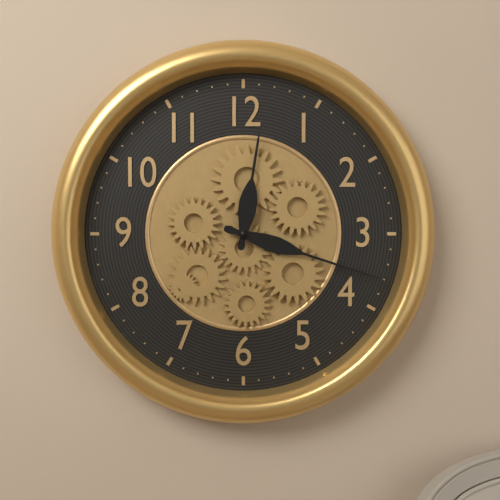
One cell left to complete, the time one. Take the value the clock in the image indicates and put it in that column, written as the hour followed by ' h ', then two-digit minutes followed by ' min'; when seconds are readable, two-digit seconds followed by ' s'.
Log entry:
12 h 18 min
